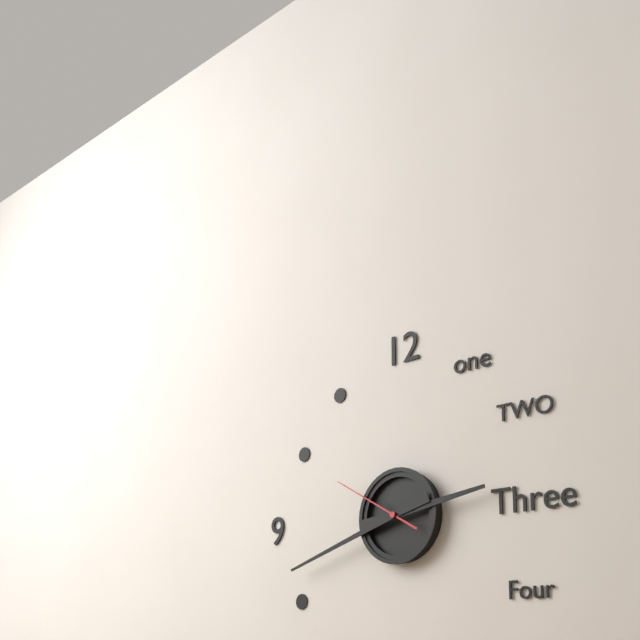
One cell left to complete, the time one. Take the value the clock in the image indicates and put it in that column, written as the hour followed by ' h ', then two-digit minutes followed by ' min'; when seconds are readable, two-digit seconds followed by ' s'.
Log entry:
2 h 42 min 50 s
